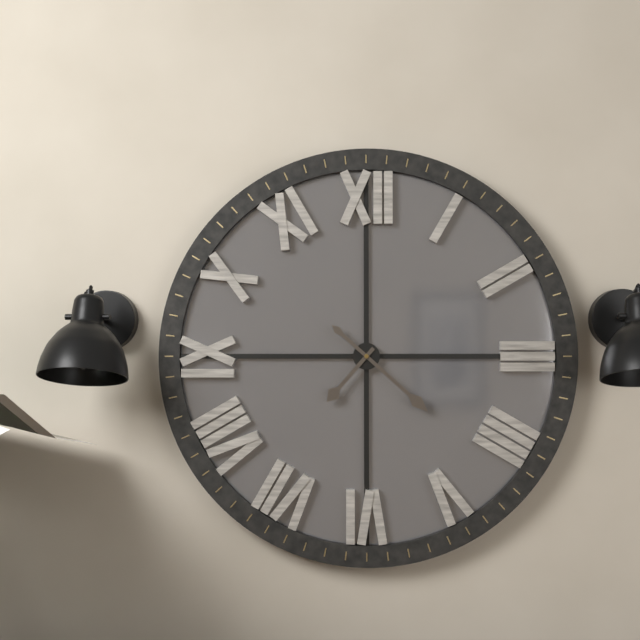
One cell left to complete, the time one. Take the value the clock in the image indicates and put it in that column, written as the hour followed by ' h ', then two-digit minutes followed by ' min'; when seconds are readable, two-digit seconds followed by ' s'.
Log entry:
7 h 22 min
